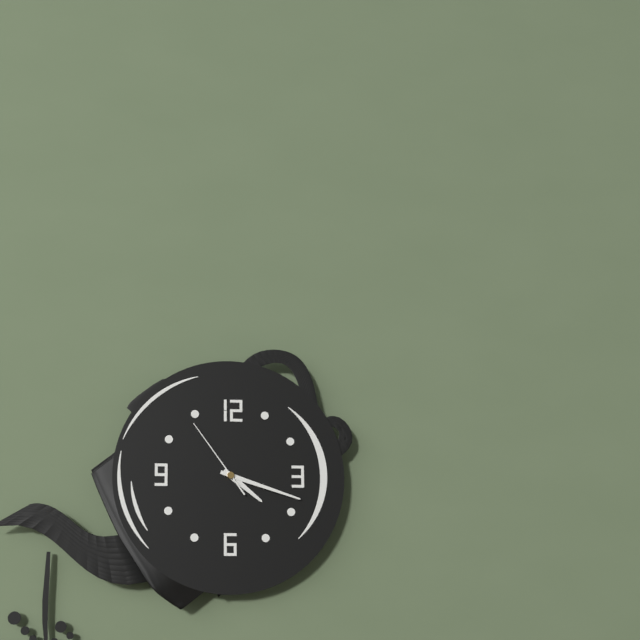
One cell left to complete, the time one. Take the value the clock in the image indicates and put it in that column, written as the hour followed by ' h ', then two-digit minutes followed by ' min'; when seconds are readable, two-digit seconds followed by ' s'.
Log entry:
4 h 18 min 54 s
